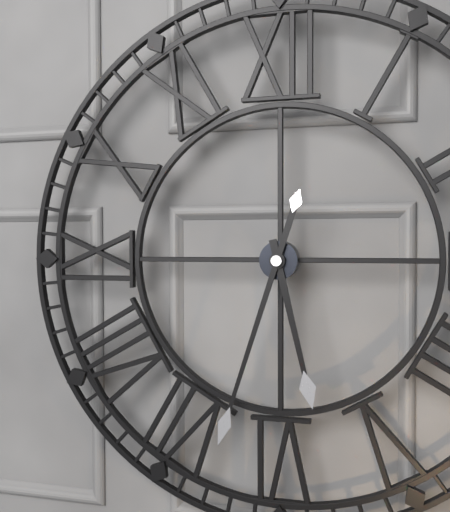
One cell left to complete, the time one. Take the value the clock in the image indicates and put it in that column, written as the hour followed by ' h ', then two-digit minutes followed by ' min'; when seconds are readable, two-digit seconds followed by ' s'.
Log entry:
5 h 33 min
